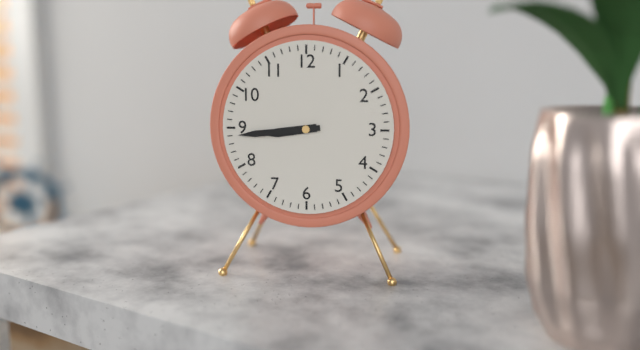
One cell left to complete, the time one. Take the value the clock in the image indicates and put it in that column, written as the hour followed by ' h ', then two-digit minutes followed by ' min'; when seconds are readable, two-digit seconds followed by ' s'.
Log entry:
8 h 44 min
